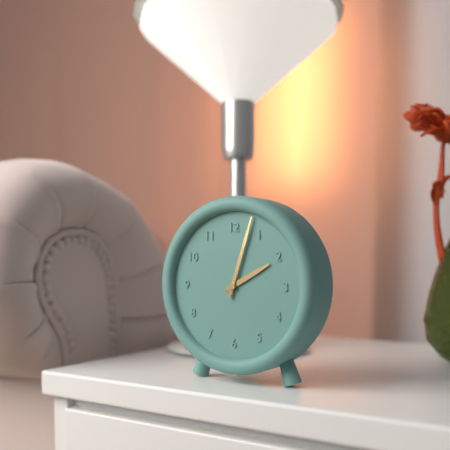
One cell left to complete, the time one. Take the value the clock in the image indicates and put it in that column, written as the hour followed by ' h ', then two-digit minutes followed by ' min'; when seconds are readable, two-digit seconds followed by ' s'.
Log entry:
2 h 03 min
